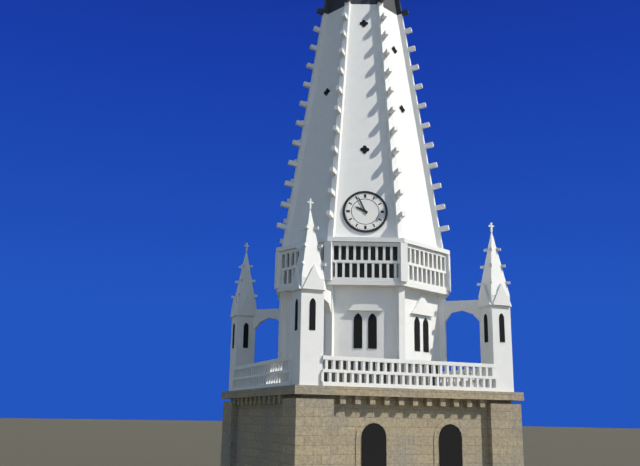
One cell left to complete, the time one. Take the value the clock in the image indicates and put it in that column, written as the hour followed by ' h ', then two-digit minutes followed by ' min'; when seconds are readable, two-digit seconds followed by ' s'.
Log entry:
9 h 56 min
